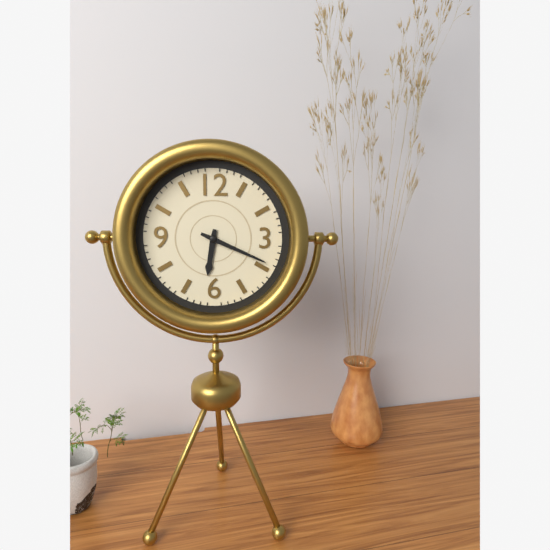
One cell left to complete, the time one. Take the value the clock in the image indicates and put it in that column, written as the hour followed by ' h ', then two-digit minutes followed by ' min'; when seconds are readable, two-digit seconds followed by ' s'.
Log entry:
6 h 19 min
